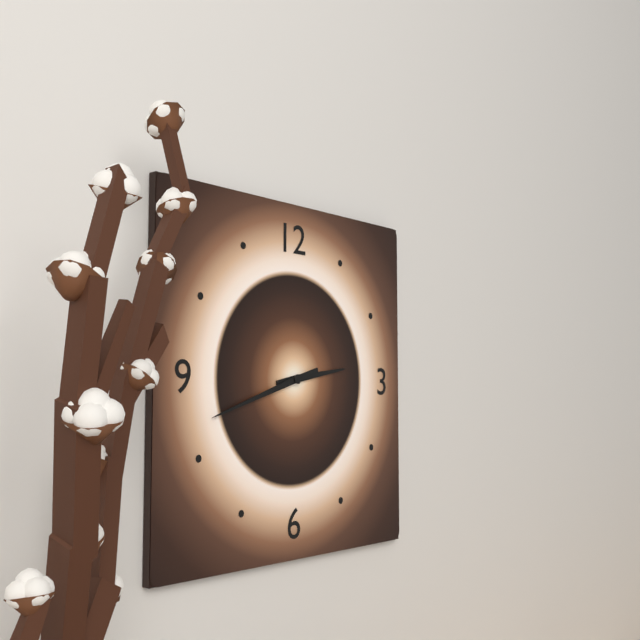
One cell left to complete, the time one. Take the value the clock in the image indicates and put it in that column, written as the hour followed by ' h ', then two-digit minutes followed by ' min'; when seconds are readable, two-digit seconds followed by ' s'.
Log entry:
2 h 42 min
